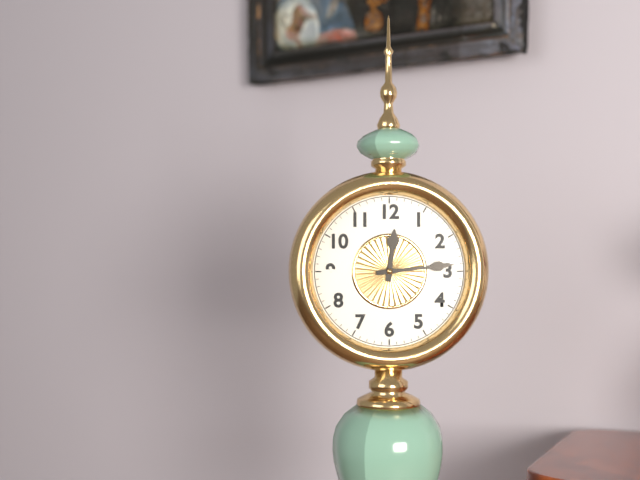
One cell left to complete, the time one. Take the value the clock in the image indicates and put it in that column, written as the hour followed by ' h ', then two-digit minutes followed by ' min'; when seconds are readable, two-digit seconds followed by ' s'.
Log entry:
12 h 14 min
